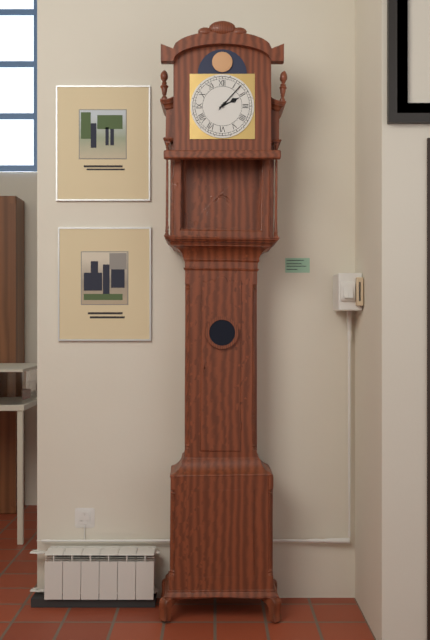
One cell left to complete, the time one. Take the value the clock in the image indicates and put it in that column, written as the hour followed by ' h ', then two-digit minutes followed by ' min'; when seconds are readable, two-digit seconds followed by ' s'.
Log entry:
2 h 07 min
